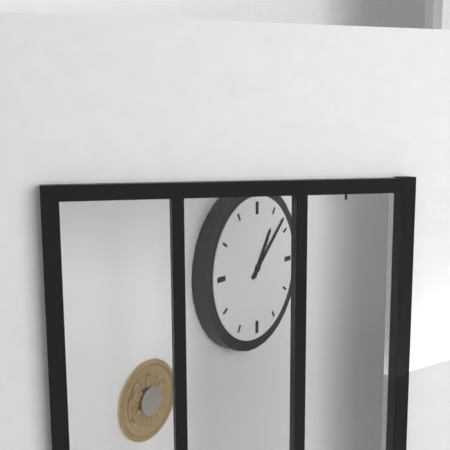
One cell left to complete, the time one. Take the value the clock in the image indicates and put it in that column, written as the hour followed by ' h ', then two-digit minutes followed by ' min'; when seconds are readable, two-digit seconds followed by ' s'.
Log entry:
1 h 08 min
